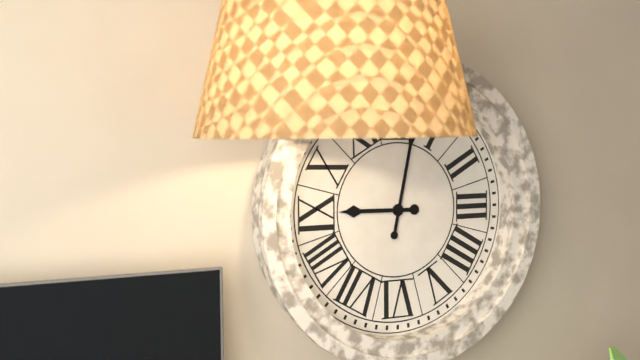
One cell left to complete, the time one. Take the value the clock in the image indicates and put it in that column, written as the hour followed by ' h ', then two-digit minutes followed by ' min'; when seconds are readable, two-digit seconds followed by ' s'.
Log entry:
9 h 02 min
